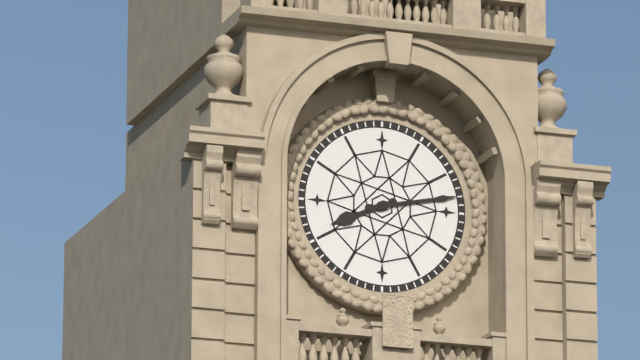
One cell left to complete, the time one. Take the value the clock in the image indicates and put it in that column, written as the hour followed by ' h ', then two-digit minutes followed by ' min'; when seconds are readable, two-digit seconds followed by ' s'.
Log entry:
8 h 13 min
